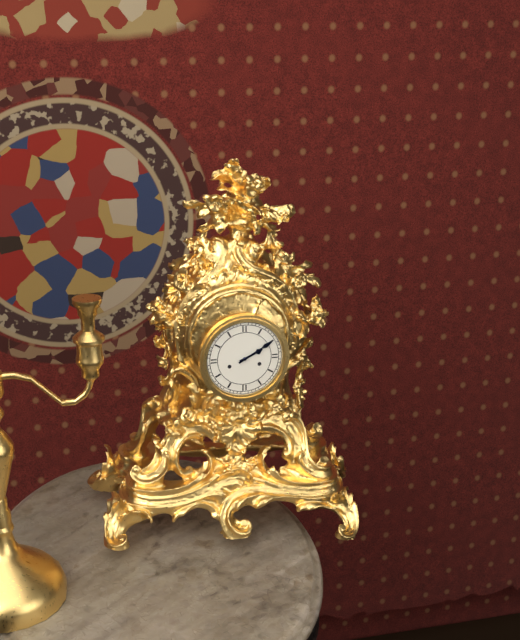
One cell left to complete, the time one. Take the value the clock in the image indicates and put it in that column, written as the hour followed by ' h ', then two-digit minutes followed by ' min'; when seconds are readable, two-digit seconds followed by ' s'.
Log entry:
2 h 10 min
